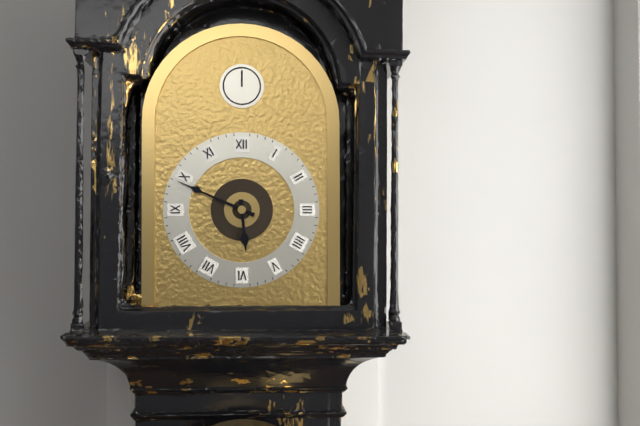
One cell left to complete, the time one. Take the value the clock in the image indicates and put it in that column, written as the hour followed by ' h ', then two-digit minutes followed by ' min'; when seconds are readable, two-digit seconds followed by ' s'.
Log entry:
5 h 49 min
